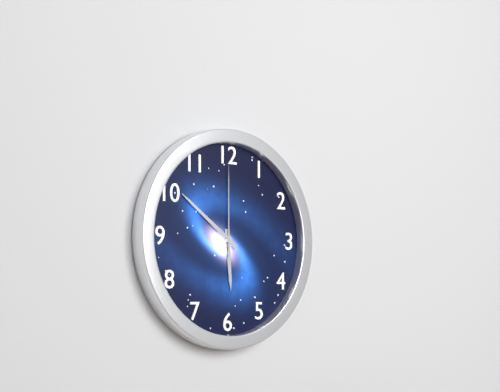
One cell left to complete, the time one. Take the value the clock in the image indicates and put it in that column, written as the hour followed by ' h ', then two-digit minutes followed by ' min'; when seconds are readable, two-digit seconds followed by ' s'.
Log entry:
5 h 51 min 00 s
